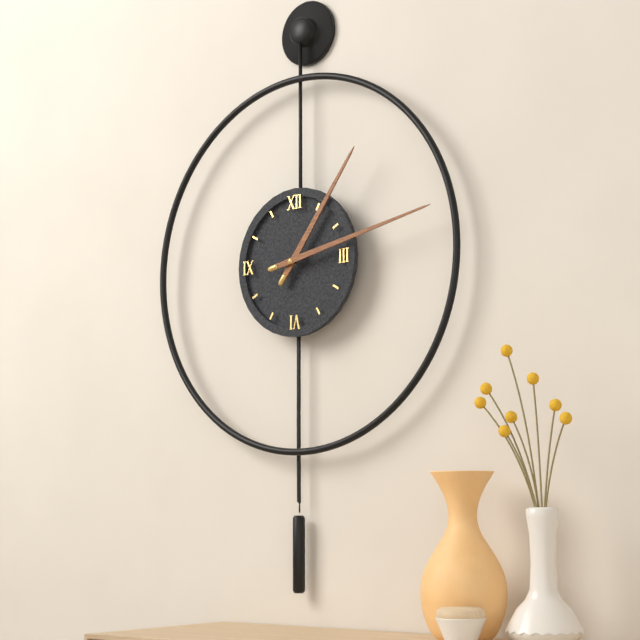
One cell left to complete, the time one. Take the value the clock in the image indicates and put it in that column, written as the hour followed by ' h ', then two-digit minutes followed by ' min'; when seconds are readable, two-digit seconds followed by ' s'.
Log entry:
1 h 13 min
